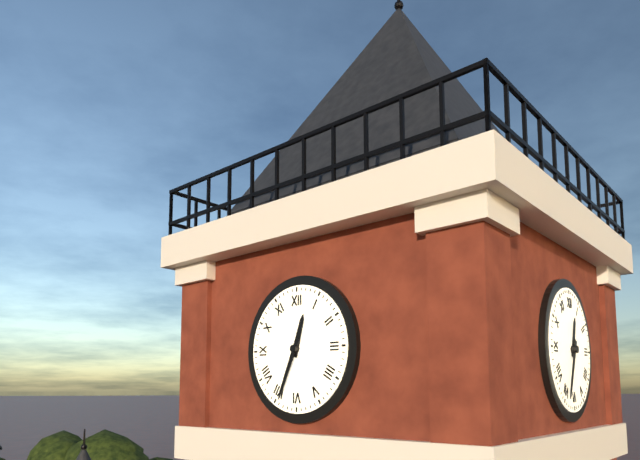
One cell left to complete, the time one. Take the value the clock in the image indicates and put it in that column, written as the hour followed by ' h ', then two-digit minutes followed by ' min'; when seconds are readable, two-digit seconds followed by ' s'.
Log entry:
12 h 34 min
